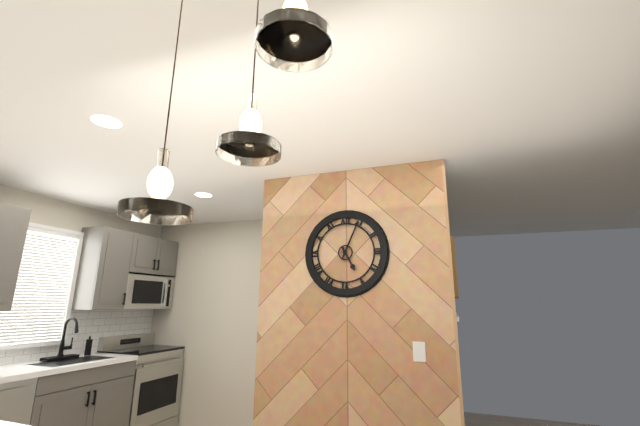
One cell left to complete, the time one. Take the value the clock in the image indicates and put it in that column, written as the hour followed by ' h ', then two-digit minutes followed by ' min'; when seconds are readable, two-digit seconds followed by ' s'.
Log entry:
5 h 04 min
